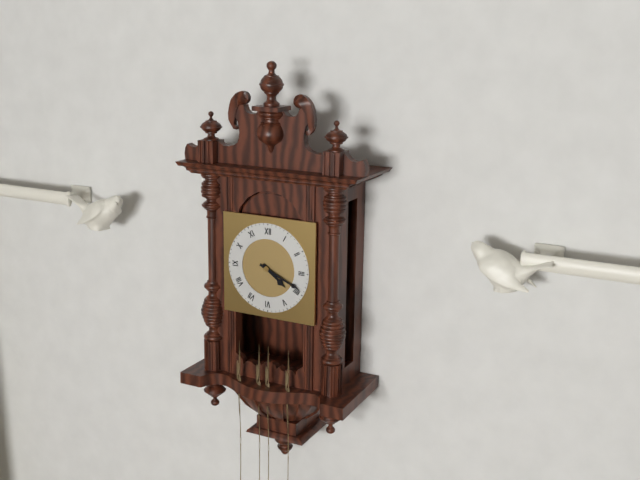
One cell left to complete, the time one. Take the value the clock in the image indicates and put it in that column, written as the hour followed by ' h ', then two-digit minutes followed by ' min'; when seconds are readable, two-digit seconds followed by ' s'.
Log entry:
4 h 19 min
